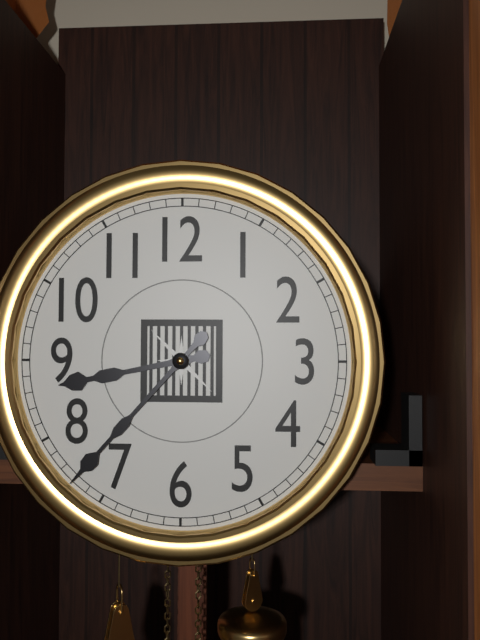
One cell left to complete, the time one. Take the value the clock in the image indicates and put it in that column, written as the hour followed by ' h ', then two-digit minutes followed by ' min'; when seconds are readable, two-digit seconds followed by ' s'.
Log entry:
8 h 37 min
